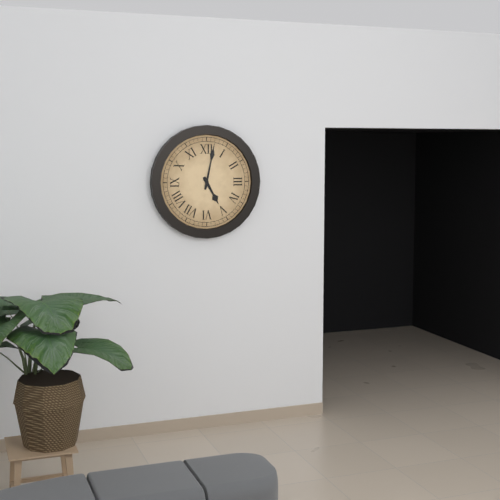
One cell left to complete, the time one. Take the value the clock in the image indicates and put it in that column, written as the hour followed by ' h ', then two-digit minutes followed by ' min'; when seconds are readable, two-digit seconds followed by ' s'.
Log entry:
5 h 02 min
